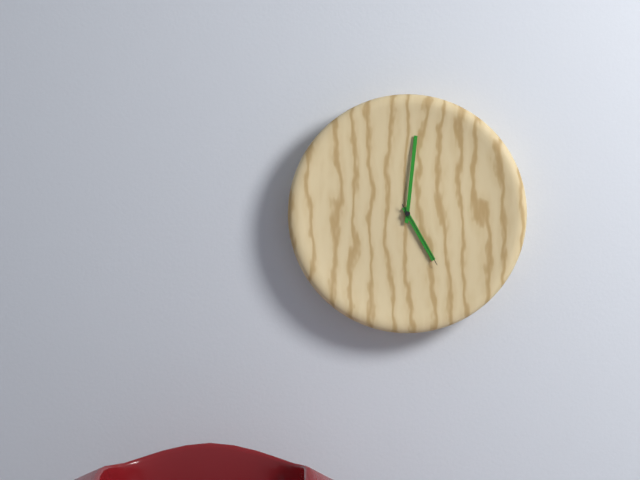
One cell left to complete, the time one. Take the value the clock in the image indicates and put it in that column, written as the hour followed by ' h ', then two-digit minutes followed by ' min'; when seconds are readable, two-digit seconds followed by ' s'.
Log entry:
5 h 01 min 25 s
